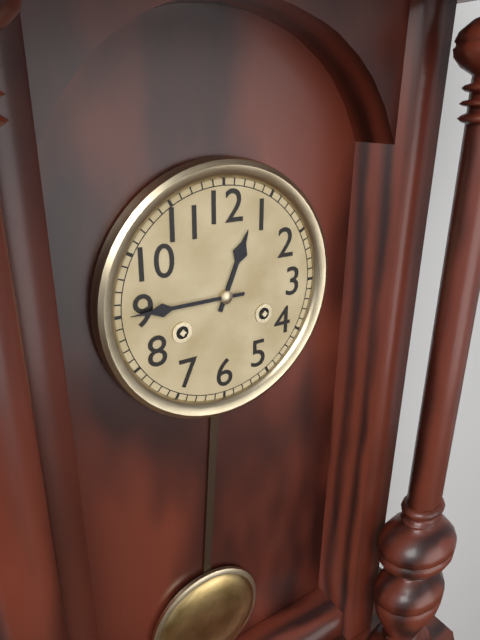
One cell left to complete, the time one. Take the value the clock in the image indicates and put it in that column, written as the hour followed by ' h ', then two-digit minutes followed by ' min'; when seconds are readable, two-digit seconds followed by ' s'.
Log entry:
12 h 45 min
